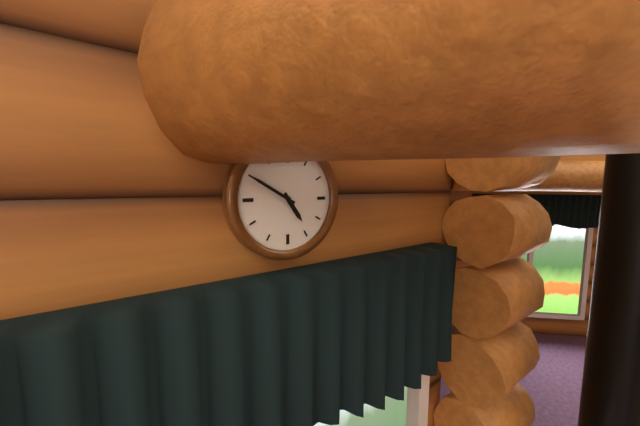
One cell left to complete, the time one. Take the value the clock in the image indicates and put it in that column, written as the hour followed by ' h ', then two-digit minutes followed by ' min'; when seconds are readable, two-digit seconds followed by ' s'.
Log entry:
4 h 50 min
